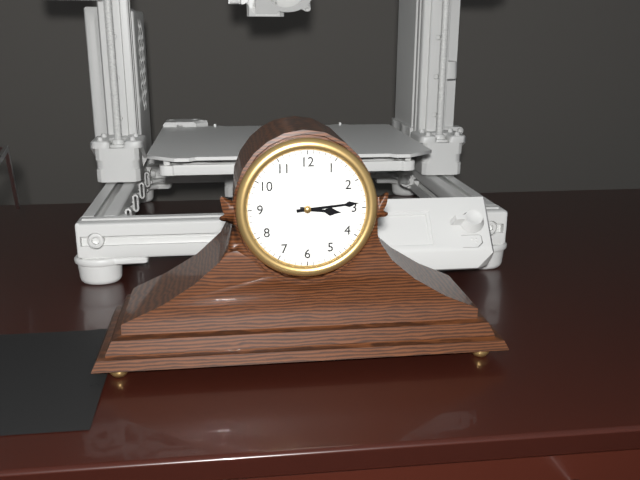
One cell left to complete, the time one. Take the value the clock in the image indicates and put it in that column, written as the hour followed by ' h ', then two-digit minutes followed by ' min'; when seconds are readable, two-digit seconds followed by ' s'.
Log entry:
3 h 14 min
